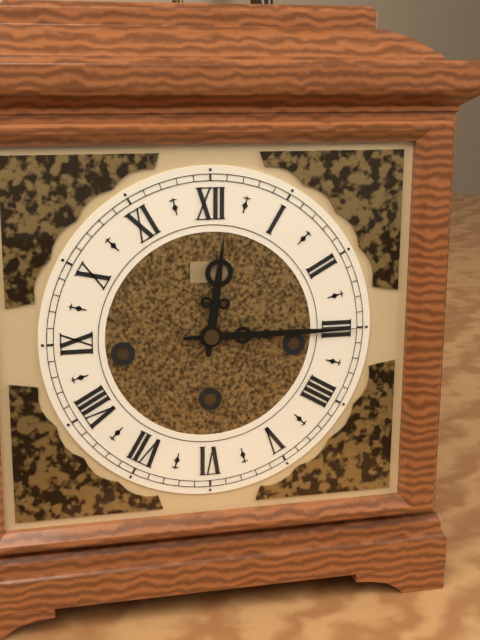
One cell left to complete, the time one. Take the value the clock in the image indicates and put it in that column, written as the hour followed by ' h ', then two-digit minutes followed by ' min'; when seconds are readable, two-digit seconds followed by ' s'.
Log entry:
12 h 15 min
